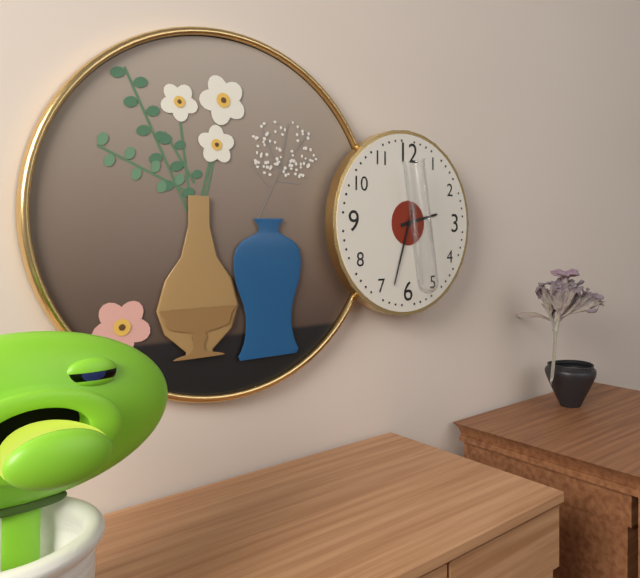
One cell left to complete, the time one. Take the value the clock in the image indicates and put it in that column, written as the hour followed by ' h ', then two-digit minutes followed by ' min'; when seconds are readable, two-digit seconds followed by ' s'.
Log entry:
2 h 33 min
